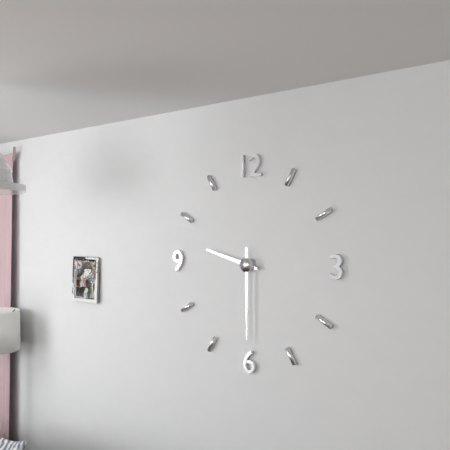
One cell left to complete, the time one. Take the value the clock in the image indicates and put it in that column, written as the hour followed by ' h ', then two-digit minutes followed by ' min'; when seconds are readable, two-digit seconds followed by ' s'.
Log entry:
9 h 30 min
